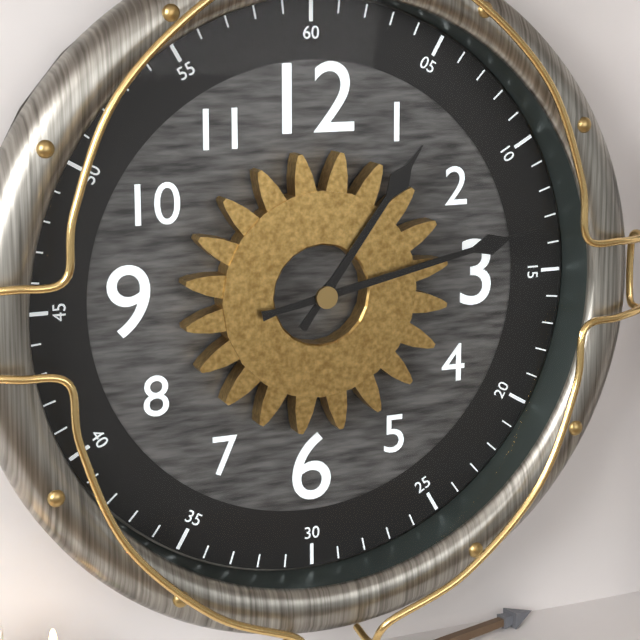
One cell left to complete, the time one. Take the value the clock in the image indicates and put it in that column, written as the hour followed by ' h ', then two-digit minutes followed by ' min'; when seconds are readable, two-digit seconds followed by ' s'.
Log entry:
1 h 13 min
